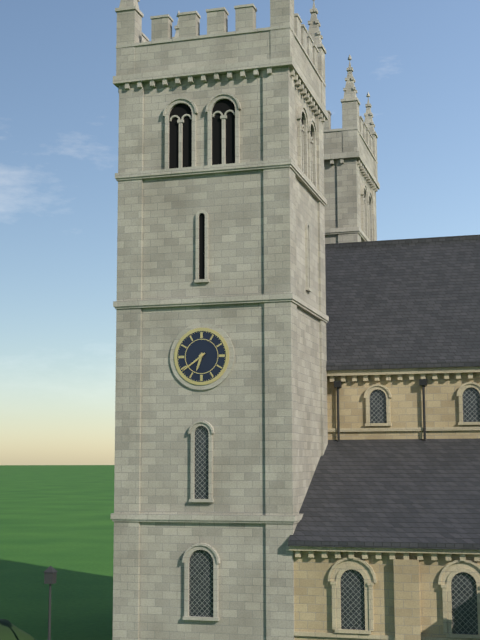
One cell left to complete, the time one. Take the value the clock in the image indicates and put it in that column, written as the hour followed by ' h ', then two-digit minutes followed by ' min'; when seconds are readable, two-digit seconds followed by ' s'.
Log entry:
6 h 39 min
